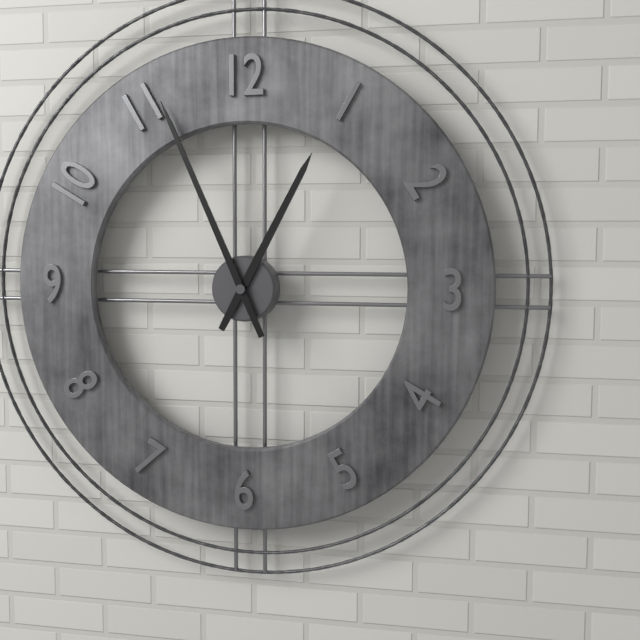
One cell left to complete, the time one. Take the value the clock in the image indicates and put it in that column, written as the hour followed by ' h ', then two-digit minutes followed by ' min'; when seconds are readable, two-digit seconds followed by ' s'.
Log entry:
12 h 56 min
